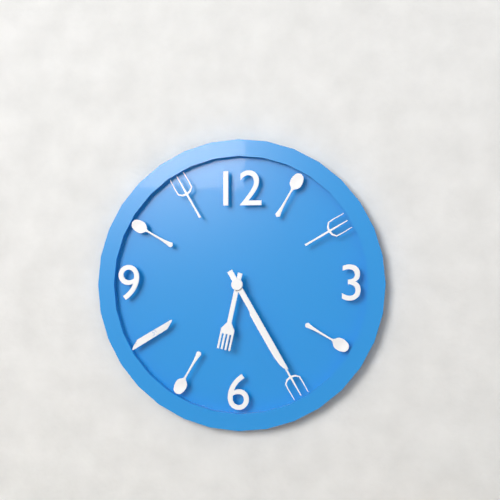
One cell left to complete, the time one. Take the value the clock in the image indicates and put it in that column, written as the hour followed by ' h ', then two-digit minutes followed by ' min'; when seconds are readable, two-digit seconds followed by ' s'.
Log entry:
6 h 25 min
